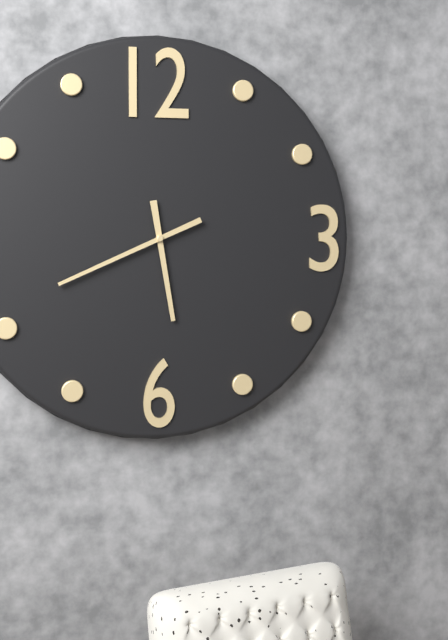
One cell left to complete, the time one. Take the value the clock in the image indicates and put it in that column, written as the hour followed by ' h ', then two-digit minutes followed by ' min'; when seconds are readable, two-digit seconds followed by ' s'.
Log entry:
5 h 41 min
